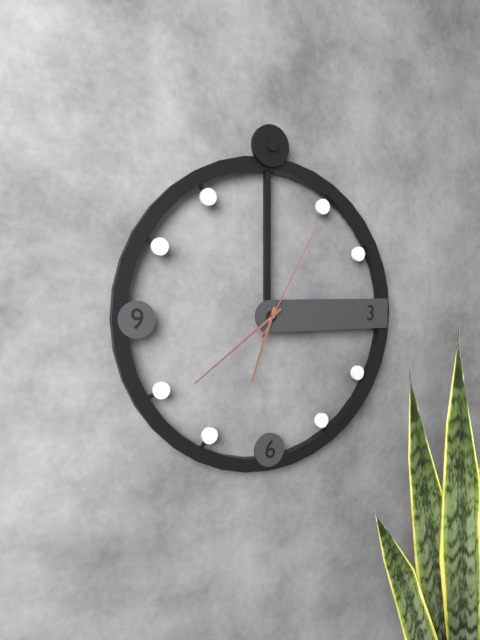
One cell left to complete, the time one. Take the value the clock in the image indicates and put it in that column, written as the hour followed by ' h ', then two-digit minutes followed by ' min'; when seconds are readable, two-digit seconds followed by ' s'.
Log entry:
6 h 39 min 05 s
